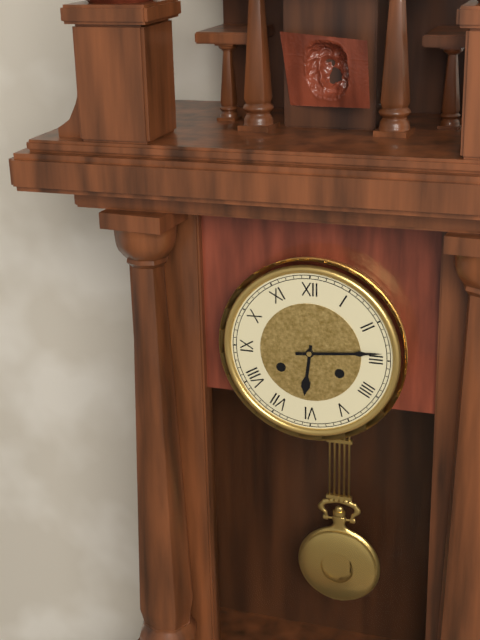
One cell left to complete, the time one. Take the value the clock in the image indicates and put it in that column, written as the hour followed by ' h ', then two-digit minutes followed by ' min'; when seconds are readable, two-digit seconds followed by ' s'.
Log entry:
6 h 14 min
